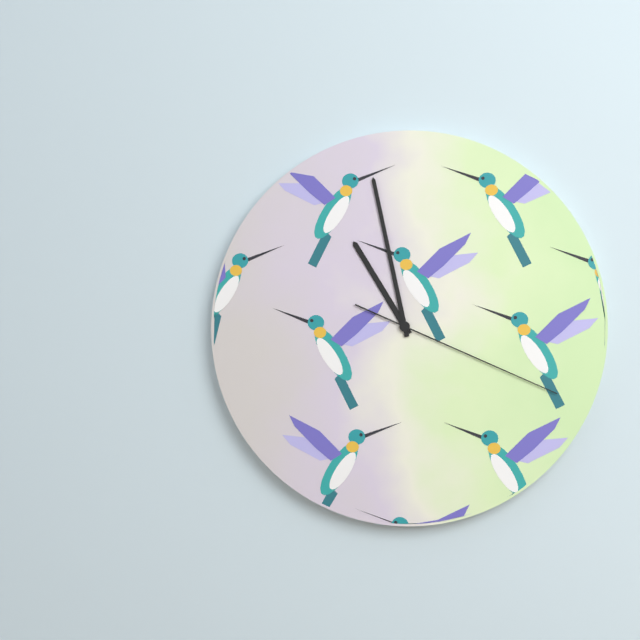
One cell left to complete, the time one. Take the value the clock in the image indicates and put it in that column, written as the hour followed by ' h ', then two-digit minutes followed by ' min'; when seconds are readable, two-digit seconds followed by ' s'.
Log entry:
10 h 58 min 19 s
